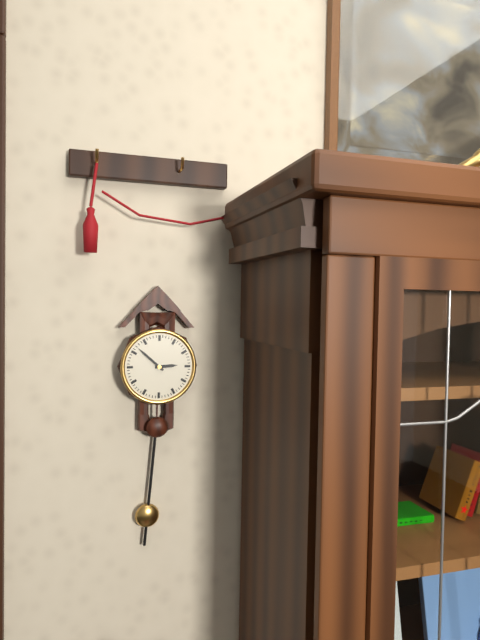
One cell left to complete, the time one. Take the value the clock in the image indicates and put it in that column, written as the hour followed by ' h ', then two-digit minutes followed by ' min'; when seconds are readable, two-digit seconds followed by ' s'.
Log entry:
2 h 52 min
